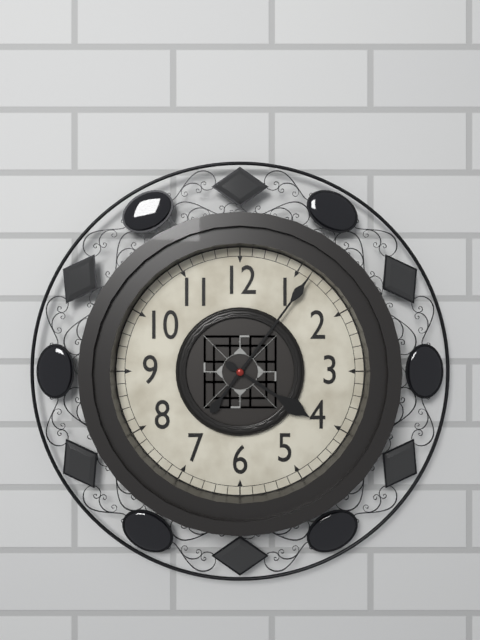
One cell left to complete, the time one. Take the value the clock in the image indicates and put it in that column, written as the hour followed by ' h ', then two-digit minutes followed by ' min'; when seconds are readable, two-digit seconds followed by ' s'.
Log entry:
4 h 06 min
